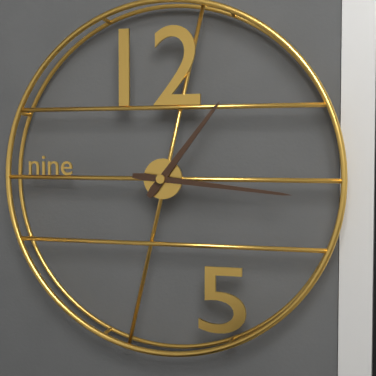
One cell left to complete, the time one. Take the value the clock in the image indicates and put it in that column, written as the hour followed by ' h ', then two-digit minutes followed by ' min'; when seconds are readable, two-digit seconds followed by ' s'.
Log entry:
1 h 16 min
